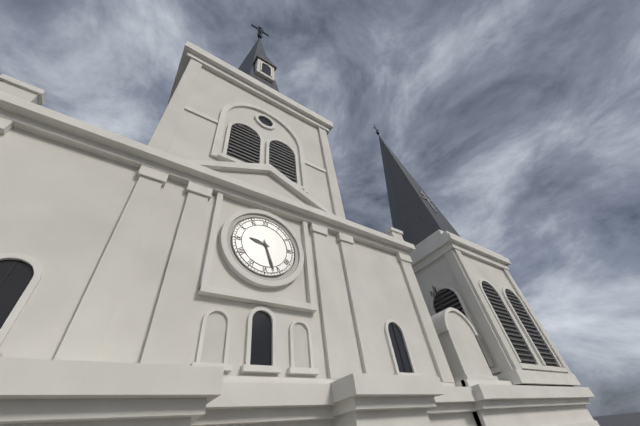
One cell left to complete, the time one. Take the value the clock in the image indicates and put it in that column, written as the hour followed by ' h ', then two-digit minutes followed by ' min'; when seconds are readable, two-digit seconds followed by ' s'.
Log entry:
9 h 27 min
